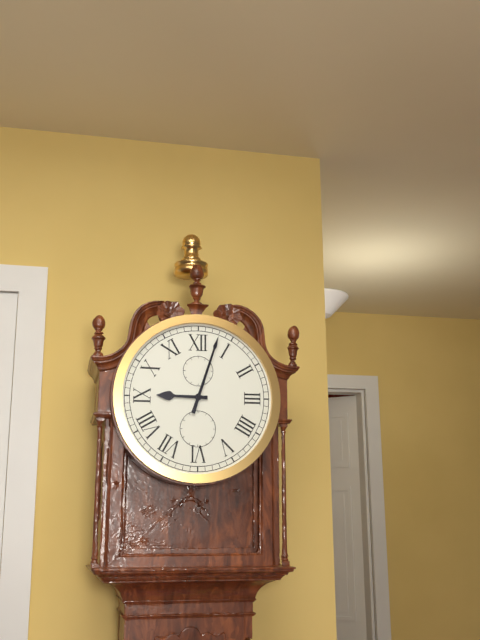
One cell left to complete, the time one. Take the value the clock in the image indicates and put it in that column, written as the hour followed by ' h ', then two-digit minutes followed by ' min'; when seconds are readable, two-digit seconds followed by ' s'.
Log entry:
9 h 03 min
